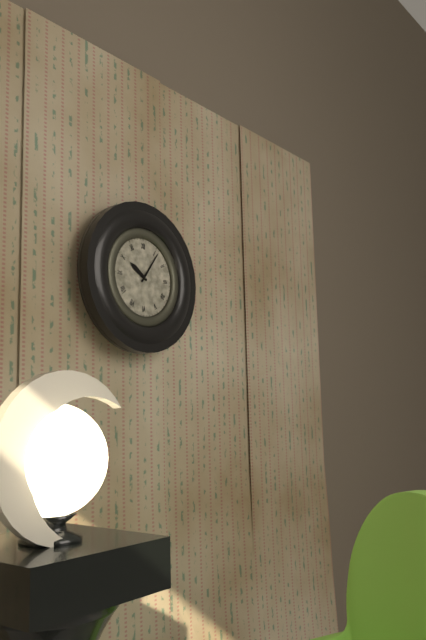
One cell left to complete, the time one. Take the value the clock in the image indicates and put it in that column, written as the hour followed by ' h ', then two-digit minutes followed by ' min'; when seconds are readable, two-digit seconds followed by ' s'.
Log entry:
10 h 06 min
